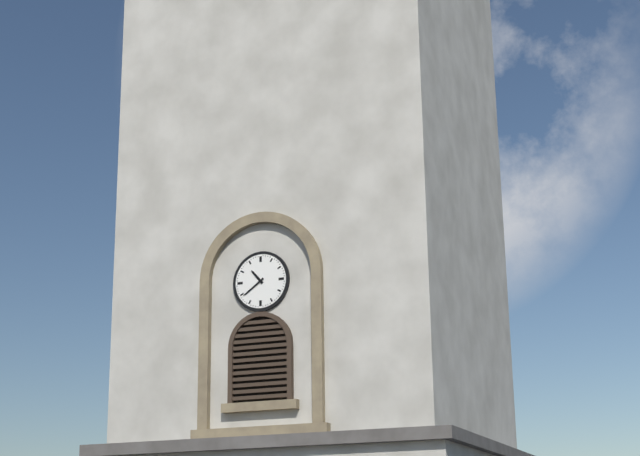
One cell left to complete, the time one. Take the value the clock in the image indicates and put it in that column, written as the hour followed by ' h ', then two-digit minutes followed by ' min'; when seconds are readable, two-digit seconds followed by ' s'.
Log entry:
10 h 39 min
